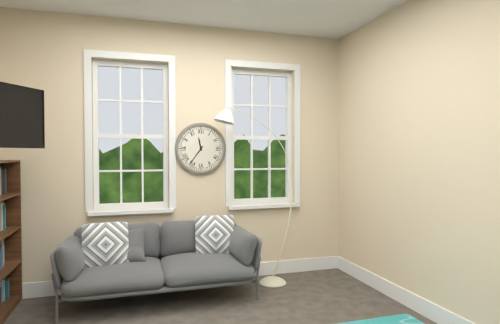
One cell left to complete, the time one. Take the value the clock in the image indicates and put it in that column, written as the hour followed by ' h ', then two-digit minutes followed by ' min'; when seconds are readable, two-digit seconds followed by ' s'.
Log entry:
11 h 36 min
